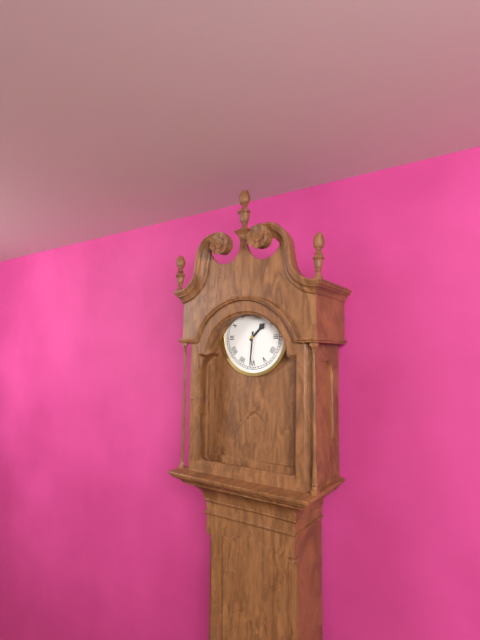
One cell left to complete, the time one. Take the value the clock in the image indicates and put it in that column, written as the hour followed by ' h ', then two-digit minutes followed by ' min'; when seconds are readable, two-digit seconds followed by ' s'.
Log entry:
1 h 31 min
